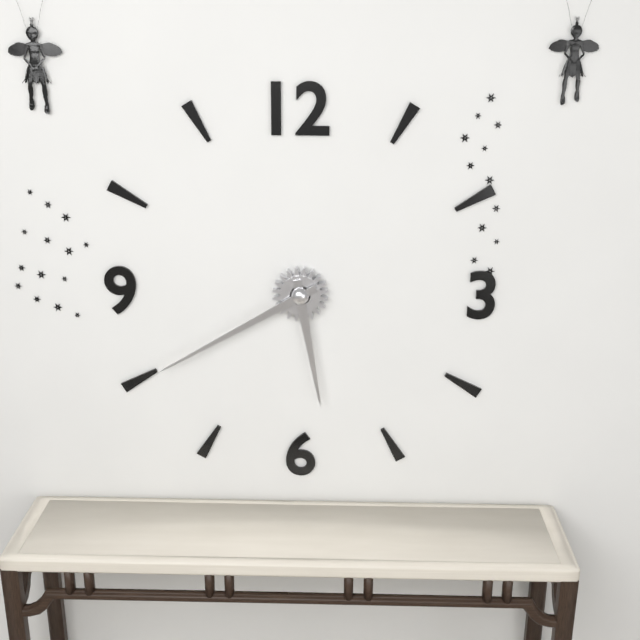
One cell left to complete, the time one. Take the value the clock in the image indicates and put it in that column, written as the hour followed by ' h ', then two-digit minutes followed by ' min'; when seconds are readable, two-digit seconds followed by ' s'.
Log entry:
5 h 40 min
